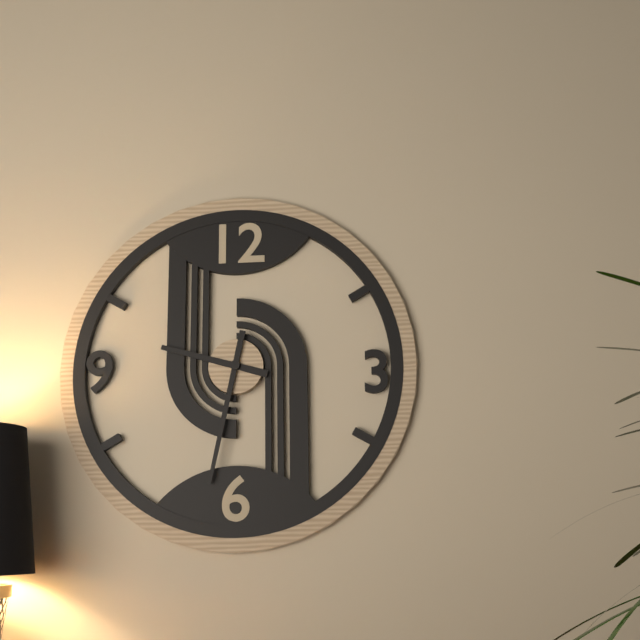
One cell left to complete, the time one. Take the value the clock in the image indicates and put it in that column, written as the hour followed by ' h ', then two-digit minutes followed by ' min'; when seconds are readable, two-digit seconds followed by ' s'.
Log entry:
9 h 32 min
